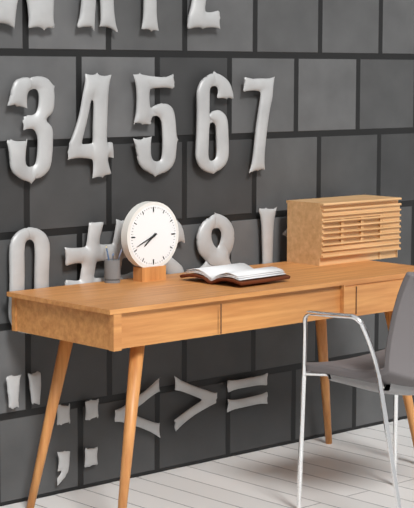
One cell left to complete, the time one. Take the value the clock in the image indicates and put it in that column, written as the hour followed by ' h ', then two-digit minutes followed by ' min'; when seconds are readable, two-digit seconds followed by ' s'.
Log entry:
7 h 41 min
